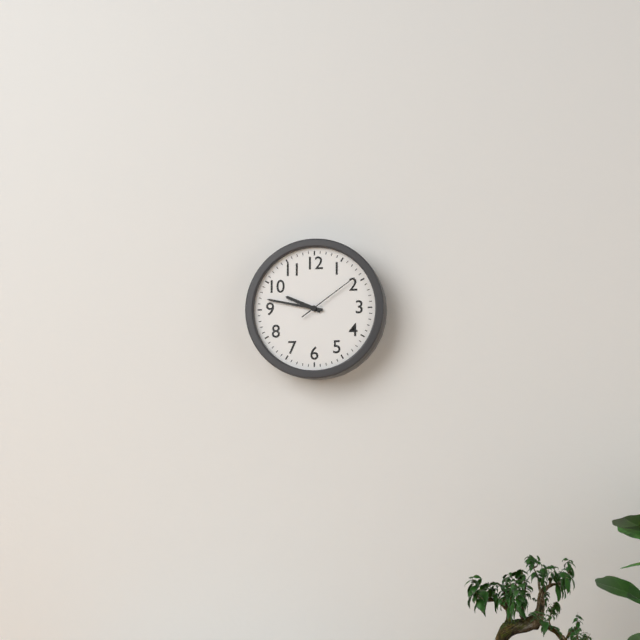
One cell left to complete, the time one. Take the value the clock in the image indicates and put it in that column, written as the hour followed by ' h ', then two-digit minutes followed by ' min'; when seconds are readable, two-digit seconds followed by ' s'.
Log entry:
9 h 47 min 09 s
